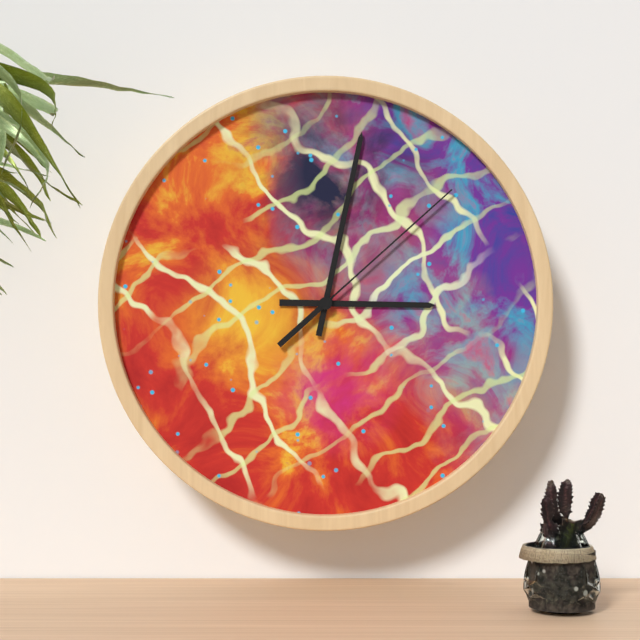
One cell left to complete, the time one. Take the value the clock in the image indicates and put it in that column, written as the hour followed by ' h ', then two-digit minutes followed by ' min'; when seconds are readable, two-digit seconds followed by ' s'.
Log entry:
3 h 02 min 08 s
